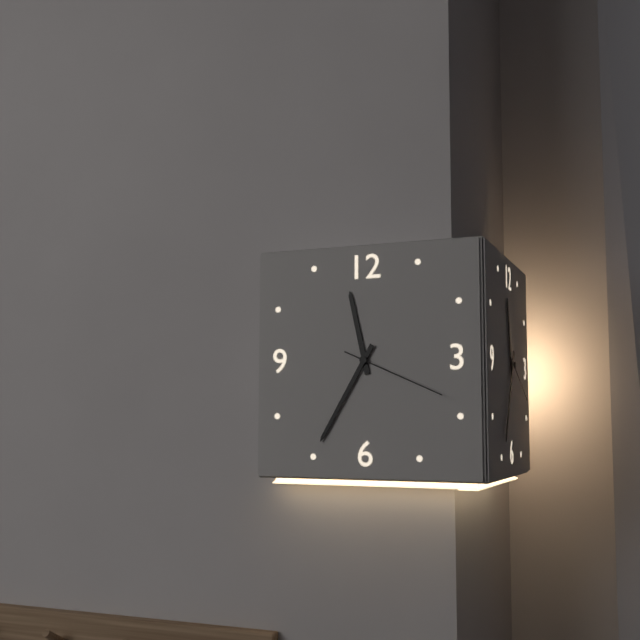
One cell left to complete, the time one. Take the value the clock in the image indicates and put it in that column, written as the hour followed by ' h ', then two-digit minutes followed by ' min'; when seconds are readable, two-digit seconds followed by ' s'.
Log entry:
11 h 35 min 19 s
